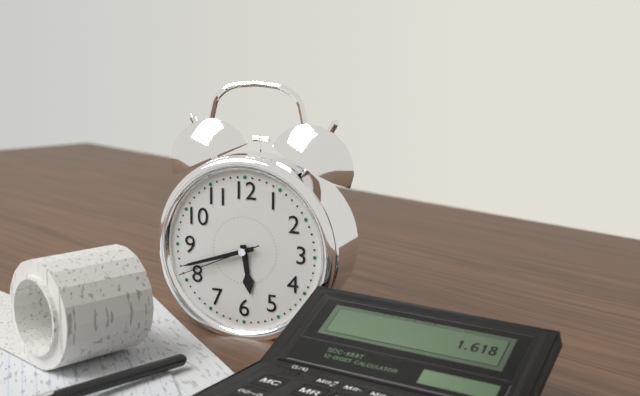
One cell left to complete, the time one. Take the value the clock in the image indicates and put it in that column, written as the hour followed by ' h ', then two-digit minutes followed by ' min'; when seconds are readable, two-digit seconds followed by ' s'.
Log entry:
5 h 42 min 41 s
